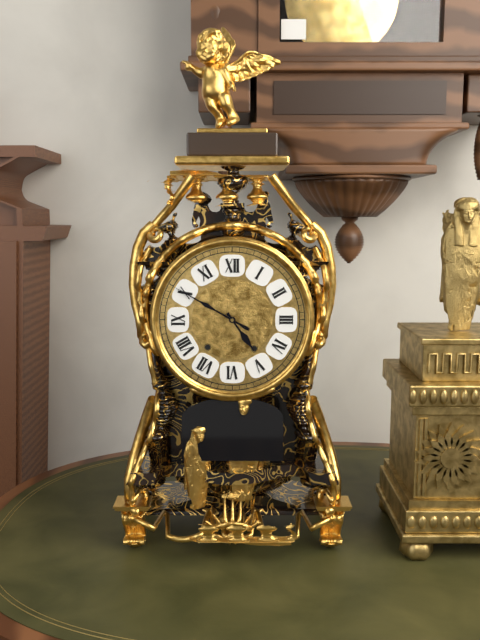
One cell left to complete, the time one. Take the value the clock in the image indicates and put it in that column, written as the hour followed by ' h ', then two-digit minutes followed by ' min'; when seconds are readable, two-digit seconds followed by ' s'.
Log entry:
4 h 50 min
